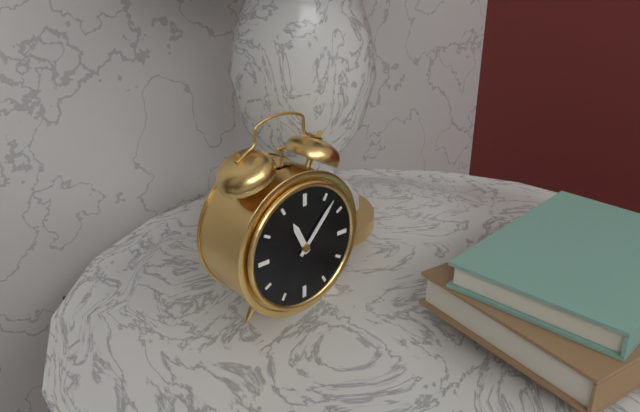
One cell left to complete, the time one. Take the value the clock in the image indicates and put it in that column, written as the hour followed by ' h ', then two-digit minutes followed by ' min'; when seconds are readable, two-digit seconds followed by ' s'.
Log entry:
11 h 07 min
